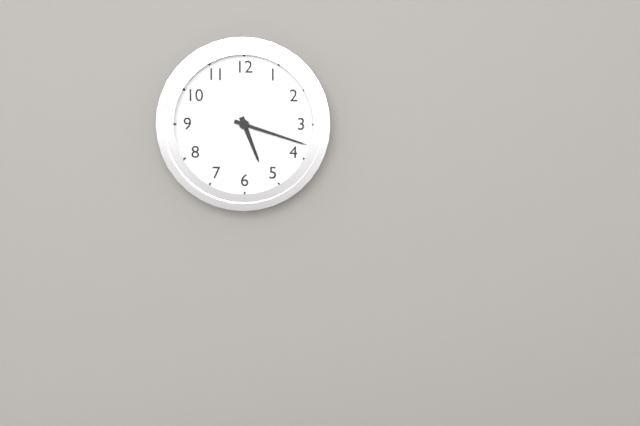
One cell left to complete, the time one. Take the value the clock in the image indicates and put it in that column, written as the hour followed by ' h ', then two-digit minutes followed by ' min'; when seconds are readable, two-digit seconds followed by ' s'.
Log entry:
5 h 18 min
